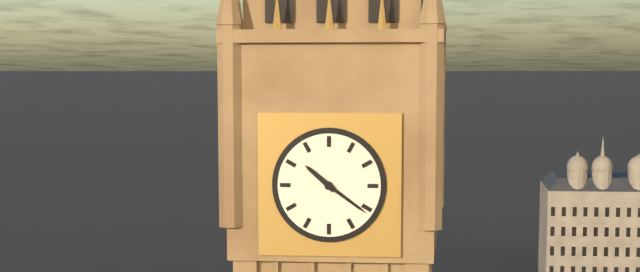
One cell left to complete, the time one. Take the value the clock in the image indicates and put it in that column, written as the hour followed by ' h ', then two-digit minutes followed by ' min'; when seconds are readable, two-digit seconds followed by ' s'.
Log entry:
10 h 21 min
